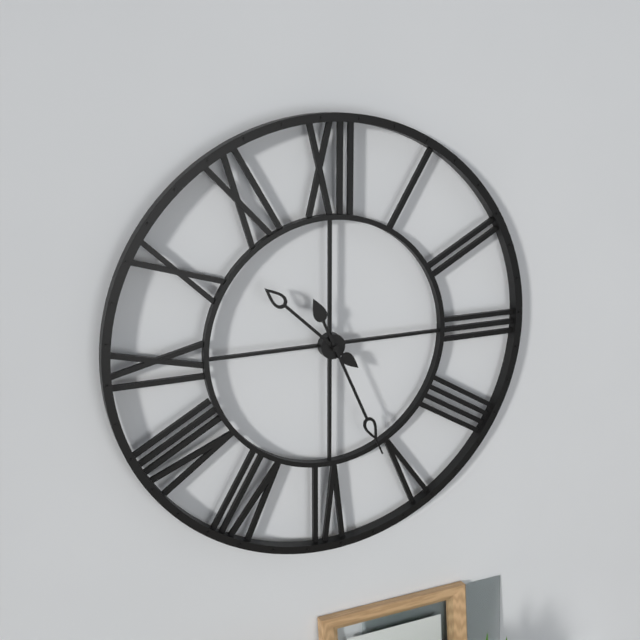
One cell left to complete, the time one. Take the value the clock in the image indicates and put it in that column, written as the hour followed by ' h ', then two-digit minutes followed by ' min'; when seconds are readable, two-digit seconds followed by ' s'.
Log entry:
10 h 26 min
